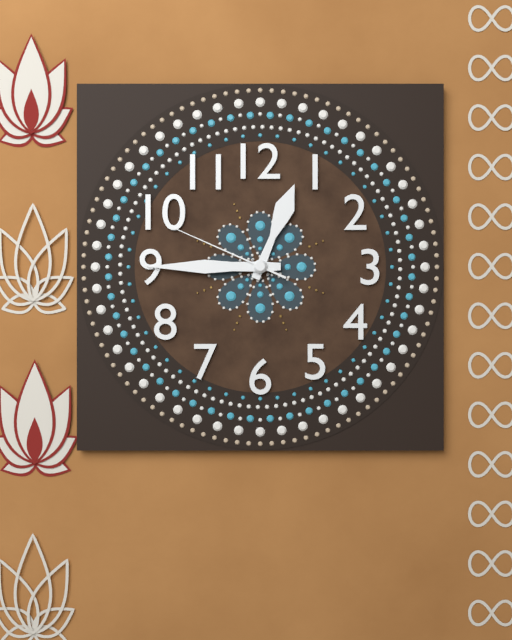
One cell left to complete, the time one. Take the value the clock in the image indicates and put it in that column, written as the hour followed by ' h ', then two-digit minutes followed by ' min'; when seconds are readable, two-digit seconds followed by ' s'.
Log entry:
12 h 45 min 49 s
